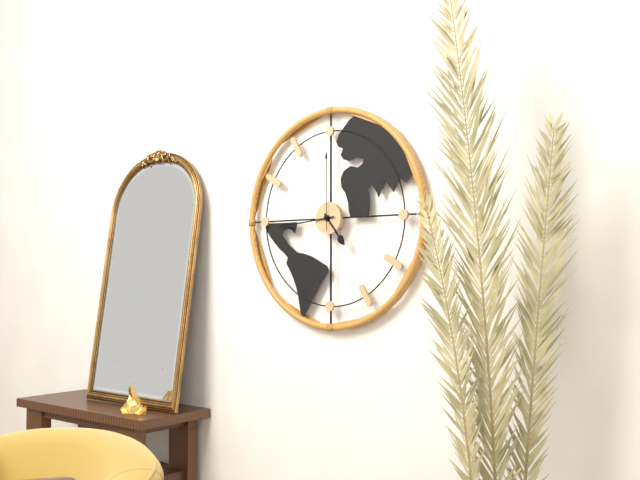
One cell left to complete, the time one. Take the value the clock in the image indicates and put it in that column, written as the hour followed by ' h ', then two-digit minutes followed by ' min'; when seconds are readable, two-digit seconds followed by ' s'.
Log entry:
4 h 44 min 00 s
